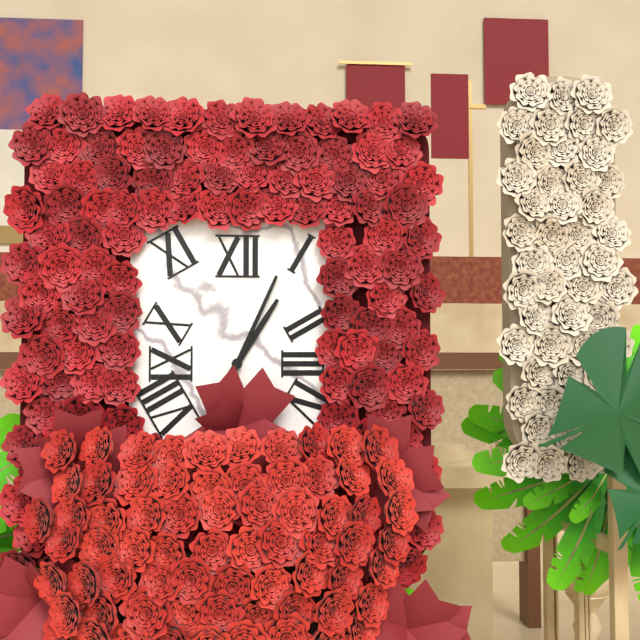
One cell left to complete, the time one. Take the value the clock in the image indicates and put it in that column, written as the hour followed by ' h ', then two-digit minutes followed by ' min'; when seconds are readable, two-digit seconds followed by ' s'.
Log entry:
1 h 04 min
